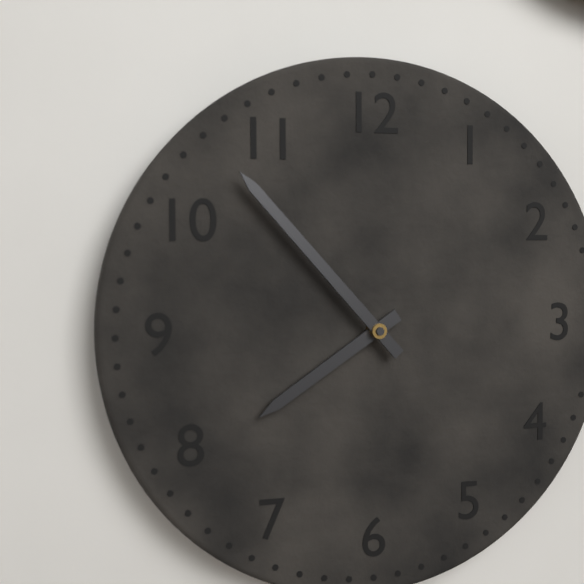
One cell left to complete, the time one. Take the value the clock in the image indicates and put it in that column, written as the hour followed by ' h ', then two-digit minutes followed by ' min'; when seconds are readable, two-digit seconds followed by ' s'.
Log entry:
7 h 53 min
